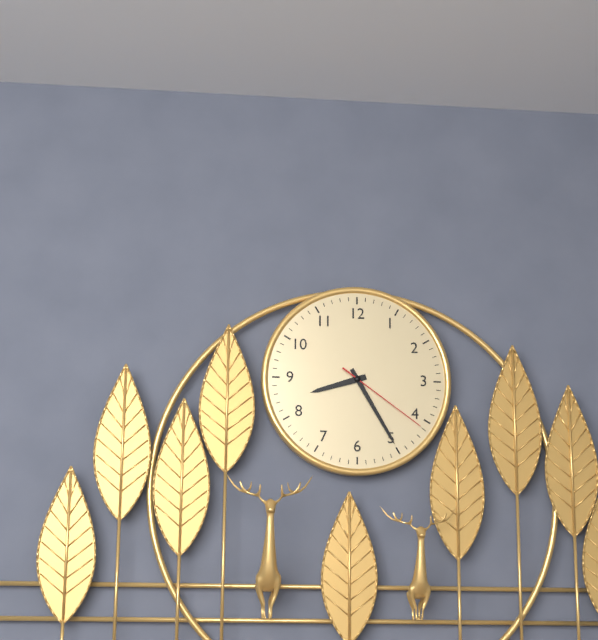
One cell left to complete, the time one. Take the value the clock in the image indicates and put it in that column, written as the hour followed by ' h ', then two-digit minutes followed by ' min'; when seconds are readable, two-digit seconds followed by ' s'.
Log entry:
8 h 25 min 21 s
